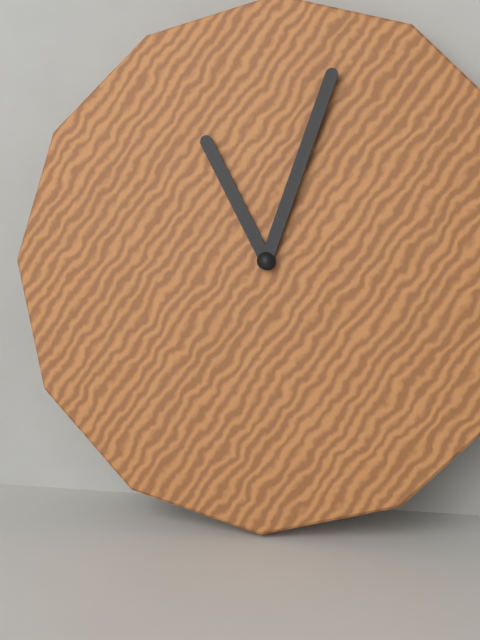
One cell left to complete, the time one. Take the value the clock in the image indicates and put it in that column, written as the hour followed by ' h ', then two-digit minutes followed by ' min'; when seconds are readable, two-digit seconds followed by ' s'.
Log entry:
11 h 03 min
